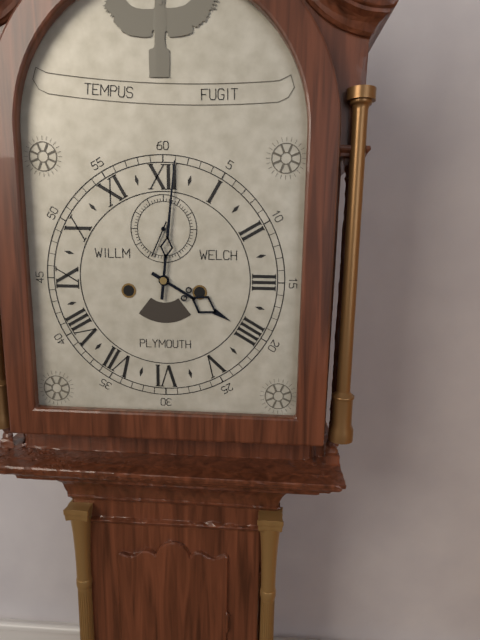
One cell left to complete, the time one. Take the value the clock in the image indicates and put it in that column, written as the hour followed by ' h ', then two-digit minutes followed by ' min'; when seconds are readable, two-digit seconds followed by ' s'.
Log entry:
4 h 01 min
